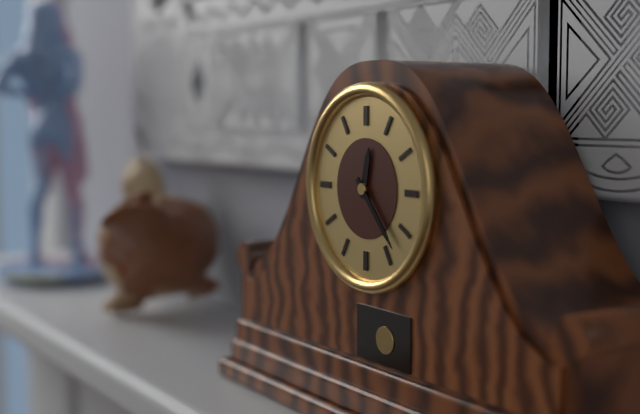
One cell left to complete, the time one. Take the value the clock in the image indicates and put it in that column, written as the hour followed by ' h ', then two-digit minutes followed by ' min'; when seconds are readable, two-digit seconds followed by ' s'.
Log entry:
12 h 23 min
